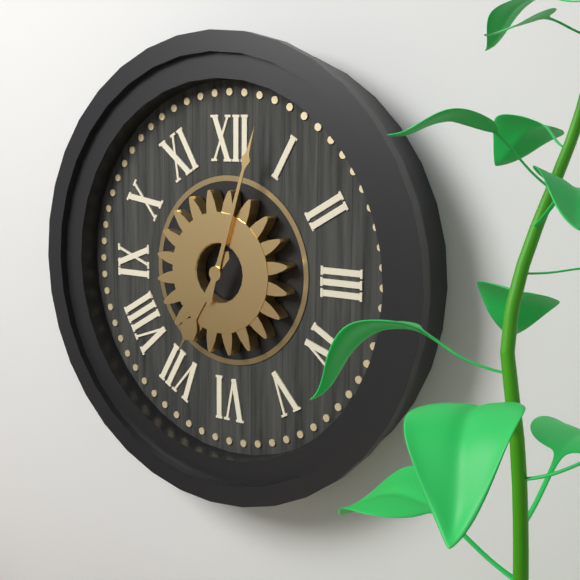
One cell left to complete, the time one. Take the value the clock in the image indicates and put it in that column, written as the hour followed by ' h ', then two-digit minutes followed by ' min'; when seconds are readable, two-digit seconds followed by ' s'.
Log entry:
7 h 03 min
